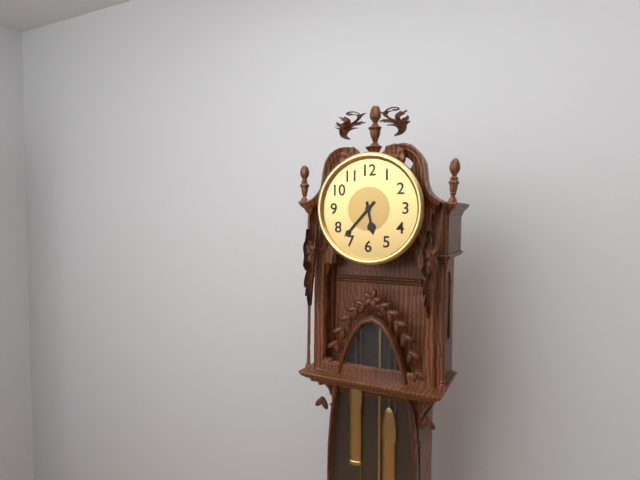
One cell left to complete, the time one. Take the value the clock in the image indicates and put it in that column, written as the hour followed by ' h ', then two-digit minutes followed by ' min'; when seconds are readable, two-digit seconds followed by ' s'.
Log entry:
5 h 37 min
